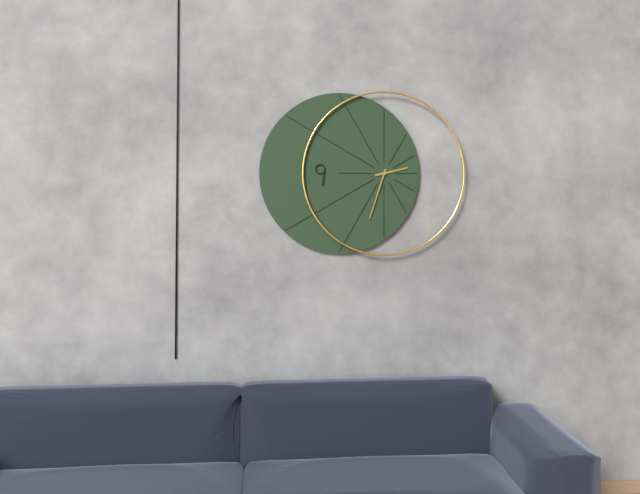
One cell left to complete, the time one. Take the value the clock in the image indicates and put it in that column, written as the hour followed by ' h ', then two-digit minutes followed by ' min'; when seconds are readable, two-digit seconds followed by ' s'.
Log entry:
2 h 33 min
